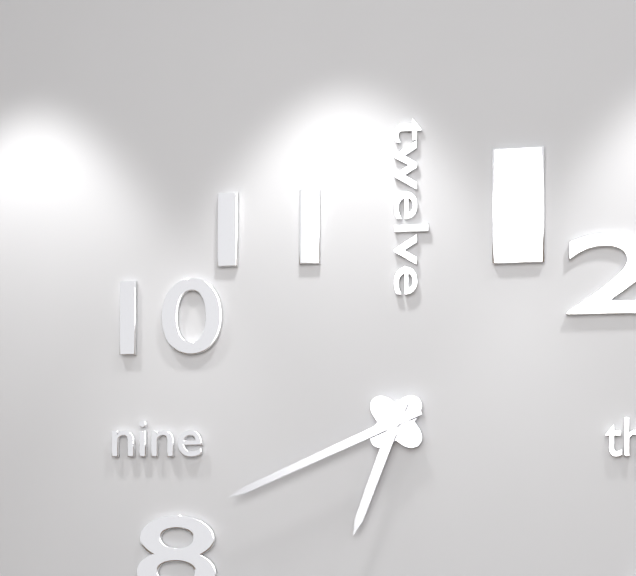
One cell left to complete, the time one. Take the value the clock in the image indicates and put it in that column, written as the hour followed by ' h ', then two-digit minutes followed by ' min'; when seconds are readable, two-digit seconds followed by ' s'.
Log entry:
6 h 41 min
